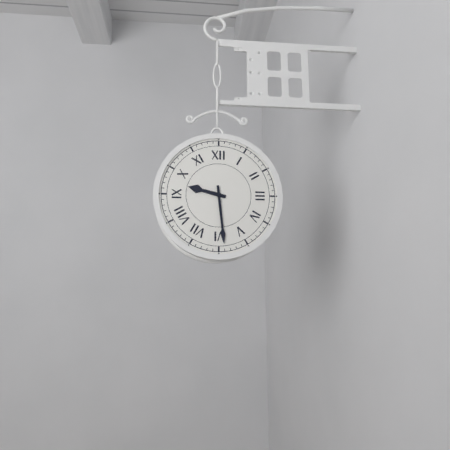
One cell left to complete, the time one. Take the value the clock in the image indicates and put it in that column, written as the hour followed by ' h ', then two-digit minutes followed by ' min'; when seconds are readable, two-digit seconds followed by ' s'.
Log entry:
9 h 29 min
